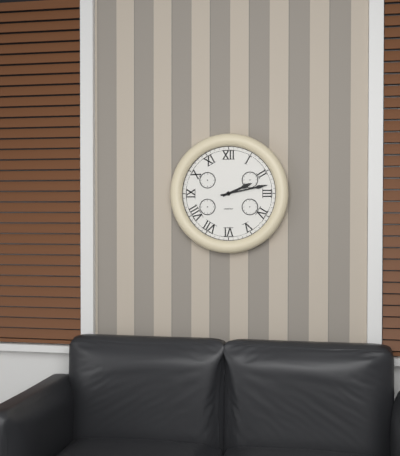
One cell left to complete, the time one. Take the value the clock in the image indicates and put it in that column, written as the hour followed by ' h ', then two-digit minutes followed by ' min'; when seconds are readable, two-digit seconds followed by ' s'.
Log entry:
2 h 13 min
